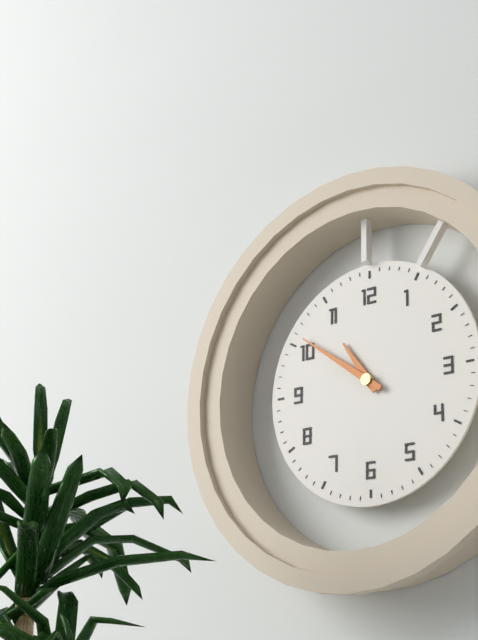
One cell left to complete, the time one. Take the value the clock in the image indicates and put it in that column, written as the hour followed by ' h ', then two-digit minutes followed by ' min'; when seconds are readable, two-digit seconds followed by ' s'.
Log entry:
10 h 51 min
